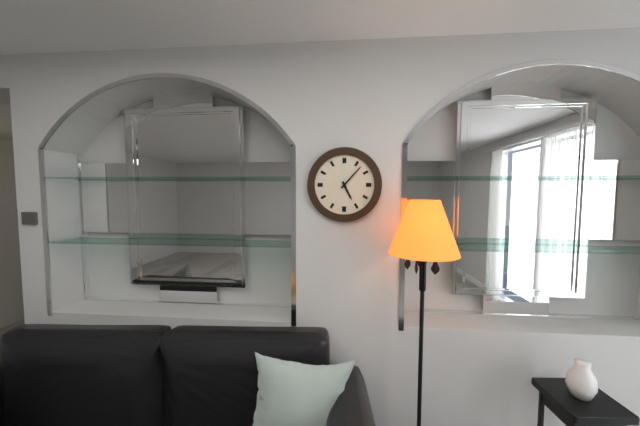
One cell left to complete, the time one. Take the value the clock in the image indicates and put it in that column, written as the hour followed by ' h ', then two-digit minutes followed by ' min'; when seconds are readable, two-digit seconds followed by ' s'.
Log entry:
5 h 07 min
